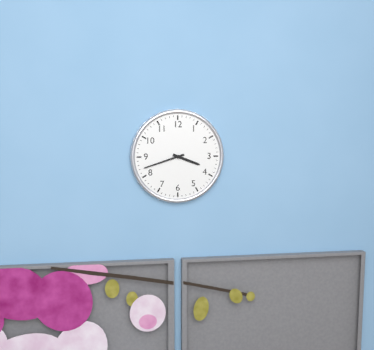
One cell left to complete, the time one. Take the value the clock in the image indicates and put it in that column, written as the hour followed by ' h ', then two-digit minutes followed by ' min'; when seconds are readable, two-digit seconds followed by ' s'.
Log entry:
3 h 42 min
